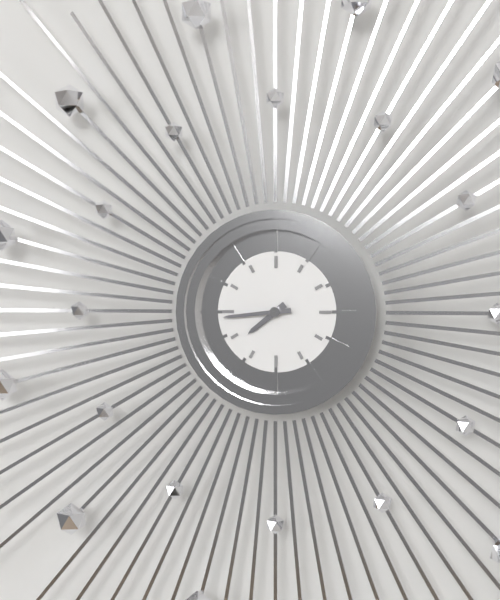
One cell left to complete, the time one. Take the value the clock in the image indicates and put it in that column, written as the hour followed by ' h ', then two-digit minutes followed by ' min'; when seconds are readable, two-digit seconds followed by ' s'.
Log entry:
7 h 44 min
